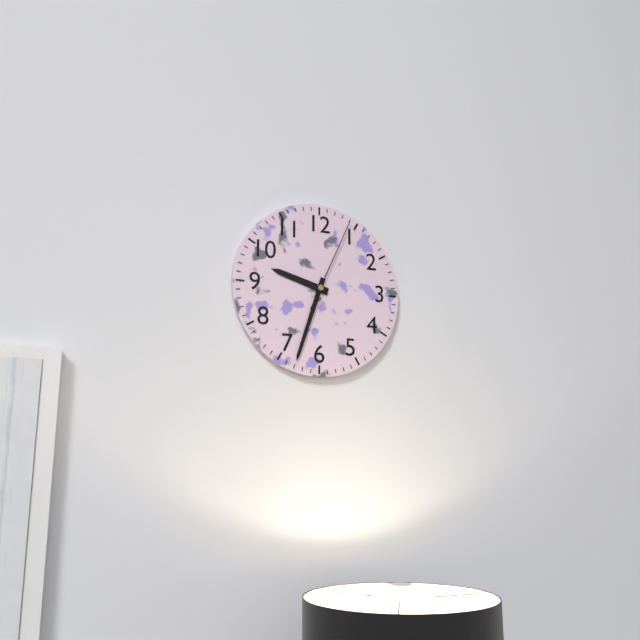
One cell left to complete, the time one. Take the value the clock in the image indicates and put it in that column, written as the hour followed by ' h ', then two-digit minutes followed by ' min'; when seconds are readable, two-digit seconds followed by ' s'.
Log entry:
9 h 33 min 04 s
